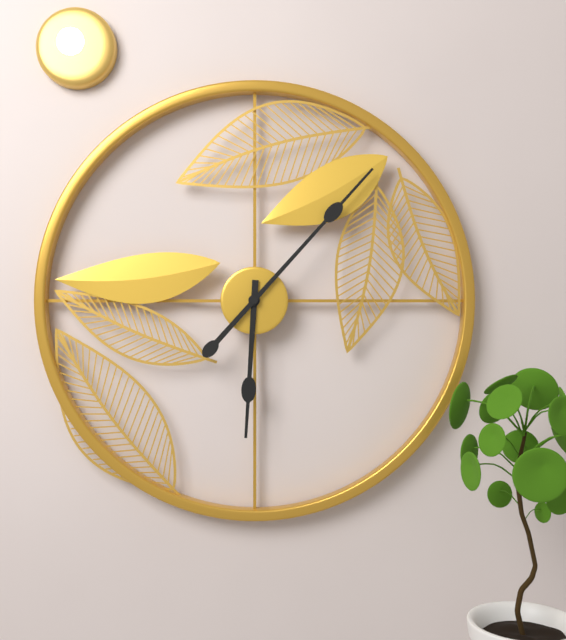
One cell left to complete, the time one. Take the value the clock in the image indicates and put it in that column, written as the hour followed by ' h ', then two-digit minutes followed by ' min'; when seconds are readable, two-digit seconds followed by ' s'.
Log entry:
6 h 07 min
